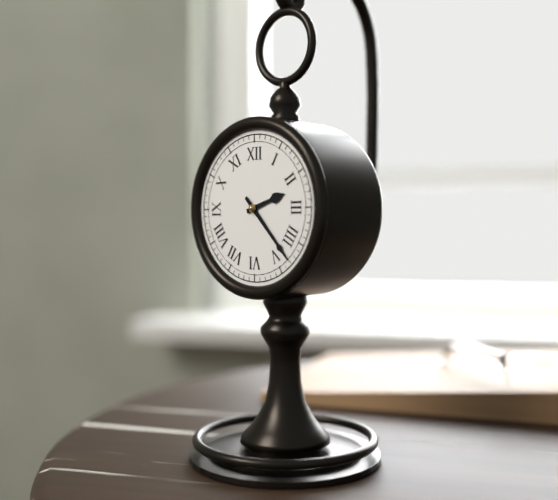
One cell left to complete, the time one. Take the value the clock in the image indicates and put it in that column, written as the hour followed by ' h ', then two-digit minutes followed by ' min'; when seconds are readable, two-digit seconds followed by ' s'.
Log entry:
2 h 23 min
